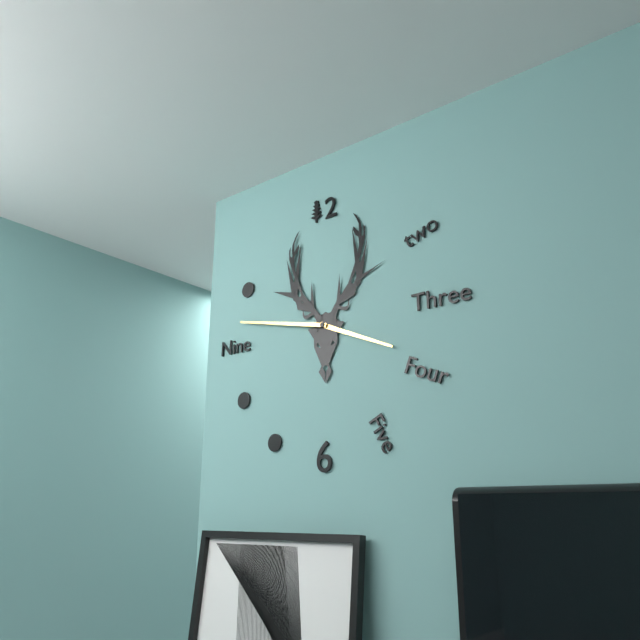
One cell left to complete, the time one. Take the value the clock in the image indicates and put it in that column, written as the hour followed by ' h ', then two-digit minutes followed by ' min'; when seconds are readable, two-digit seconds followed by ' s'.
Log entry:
3 h 47 min
